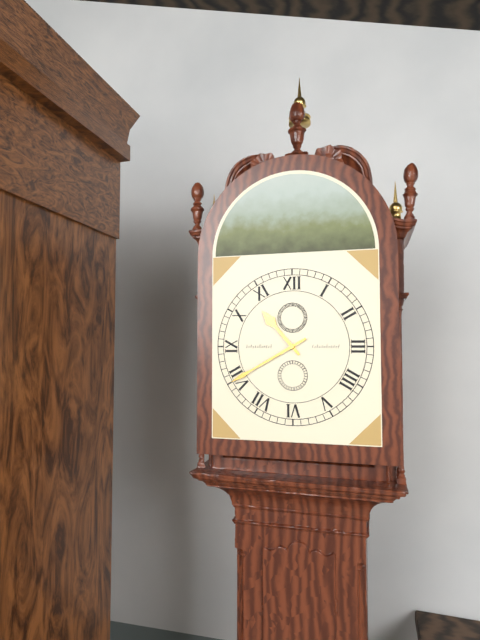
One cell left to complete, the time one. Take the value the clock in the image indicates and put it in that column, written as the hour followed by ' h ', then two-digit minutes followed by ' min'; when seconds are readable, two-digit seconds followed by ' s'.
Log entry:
10 h 40 min
